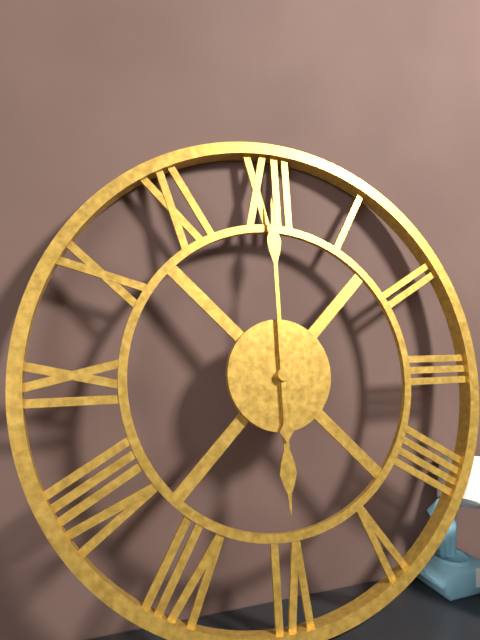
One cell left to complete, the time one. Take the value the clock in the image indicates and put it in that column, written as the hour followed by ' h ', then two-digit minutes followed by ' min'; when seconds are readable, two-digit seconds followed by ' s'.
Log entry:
6 h 00 min
